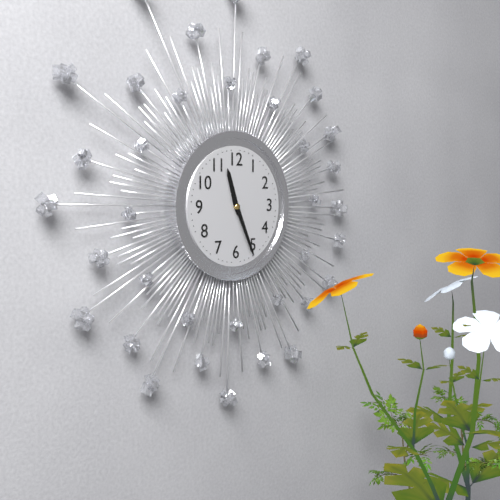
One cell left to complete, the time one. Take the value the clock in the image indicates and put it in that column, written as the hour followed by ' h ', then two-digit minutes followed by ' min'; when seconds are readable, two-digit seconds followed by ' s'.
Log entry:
11 h 26 min
